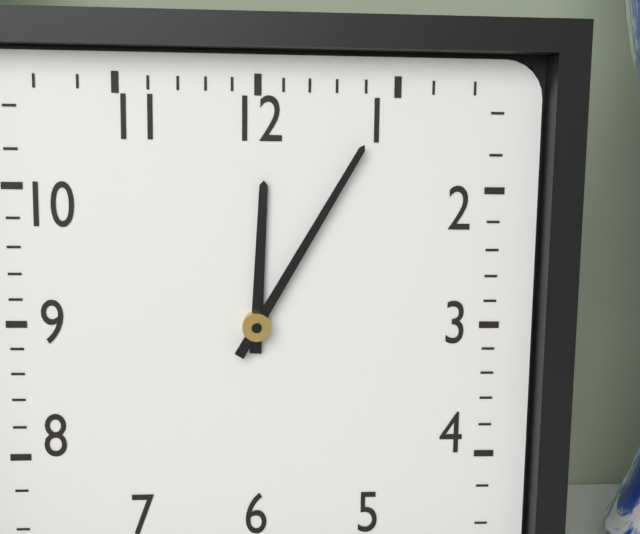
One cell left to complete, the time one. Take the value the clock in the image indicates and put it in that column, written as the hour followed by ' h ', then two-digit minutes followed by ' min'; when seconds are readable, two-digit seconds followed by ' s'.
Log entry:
12 h 05 min
